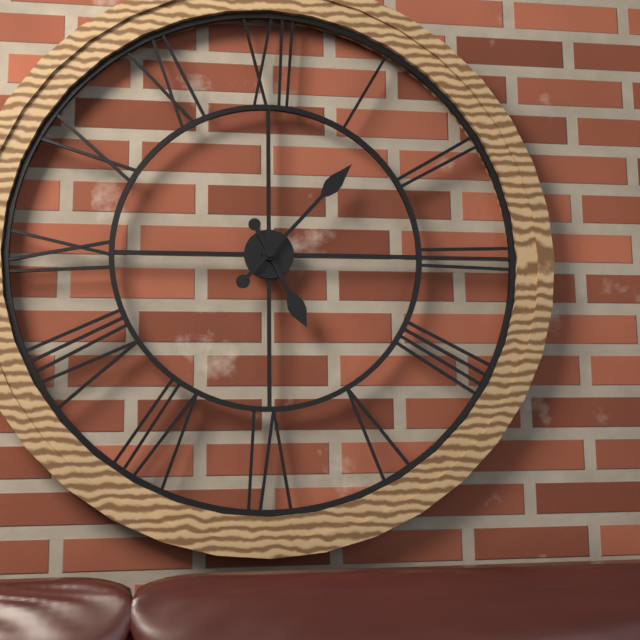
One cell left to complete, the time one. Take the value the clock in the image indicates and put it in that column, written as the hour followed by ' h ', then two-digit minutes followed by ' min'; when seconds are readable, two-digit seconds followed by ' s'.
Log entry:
5 h 07 min
